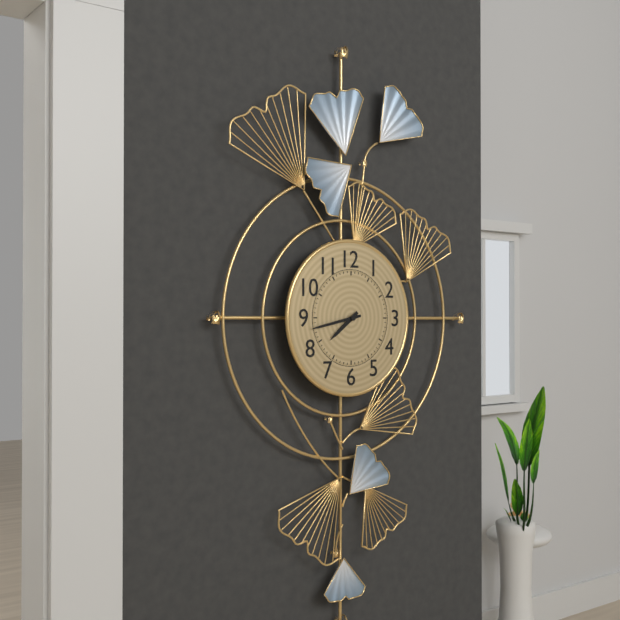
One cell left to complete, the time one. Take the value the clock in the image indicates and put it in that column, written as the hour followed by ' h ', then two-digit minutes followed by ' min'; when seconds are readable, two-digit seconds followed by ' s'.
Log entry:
7 h 43 min
